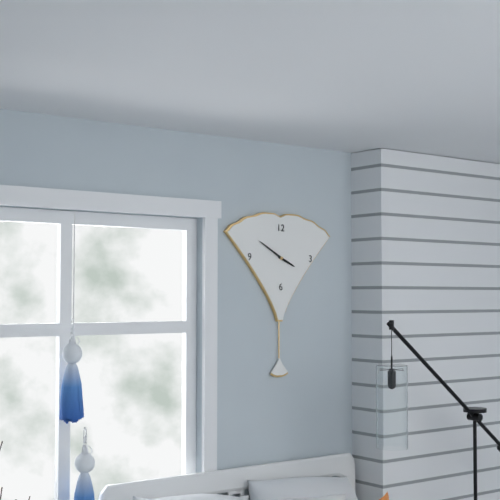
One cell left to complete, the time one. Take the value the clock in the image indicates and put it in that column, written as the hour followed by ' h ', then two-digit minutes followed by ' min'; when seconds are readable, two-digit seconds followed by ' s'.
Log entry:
3 h 50 min
